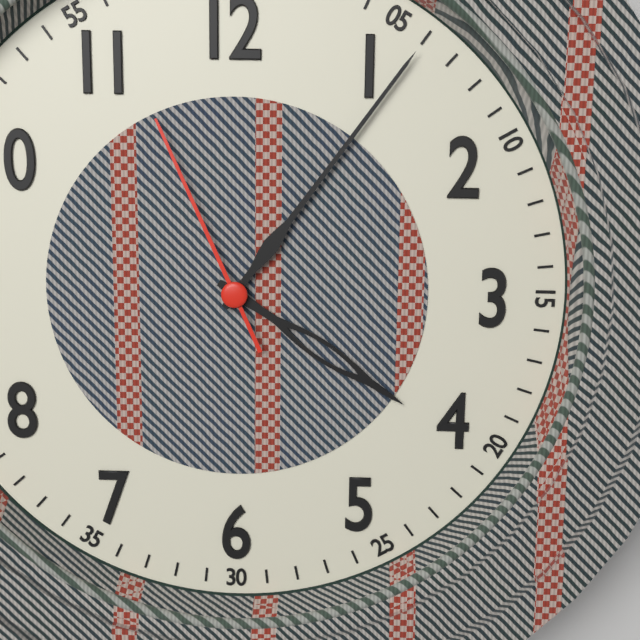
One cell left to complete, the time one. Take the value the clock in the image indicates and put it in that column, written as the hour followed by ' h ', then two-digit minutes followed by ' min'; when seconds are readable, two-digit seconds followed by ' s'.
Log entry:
4 h 06 min 56 s
